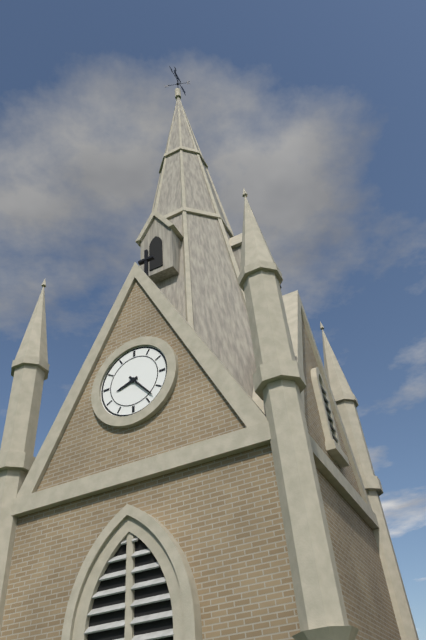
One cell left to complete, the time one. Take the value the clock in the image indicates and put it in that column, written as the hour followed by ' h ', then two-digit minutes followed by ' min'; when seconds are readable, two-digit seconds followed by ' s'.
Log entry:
8 h 23 min
